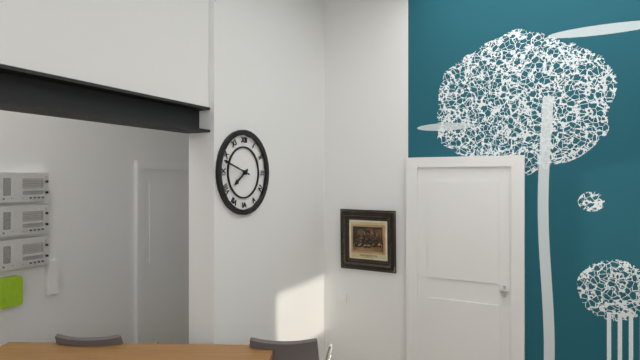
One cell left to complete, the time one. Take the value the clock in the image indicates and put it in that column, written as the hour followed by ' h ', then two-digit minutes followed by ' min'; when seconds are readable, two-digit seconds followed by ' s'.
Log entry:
7 h 48 min
